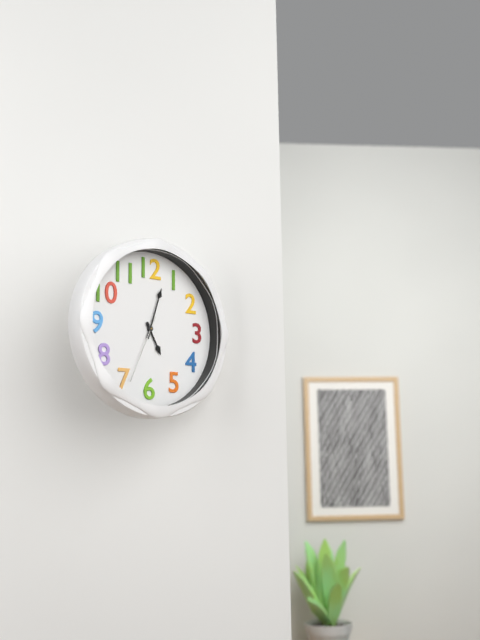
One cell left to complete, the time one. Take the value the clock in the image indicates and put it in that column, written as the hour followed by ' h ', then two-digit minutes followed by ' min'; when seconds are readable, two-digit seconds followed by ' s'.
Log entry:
5 h 03 min 34 s
